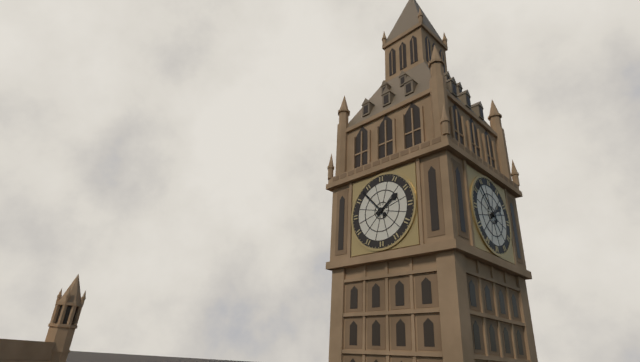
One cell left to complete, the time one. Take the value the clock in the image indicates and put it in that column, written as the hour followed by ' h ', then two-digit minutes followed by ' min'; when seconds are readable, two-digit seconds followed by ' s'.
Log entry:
1 h 53 min
